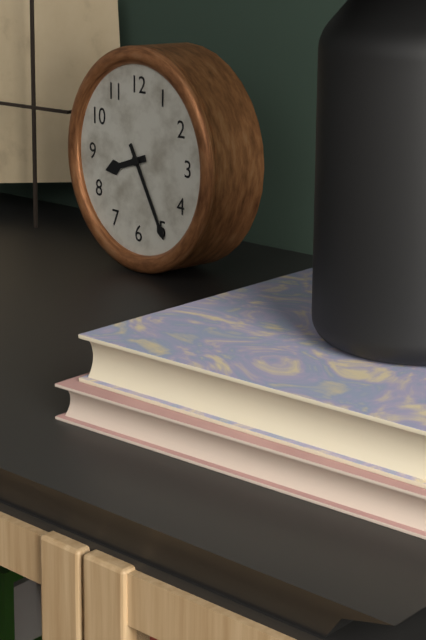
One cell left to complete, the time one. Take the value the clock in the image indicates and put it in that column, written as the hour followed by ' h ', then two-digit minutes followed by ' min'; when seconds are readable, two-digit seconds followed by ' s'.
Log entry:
8 h 25 min
